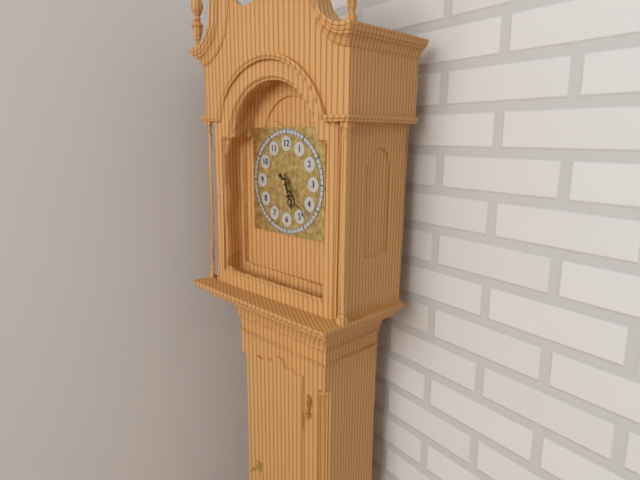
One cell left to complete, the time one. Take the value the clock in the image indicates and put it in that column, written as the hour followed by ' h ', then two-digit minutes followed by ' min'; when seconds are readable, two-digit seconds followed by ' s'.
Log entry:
5 h 23 min
